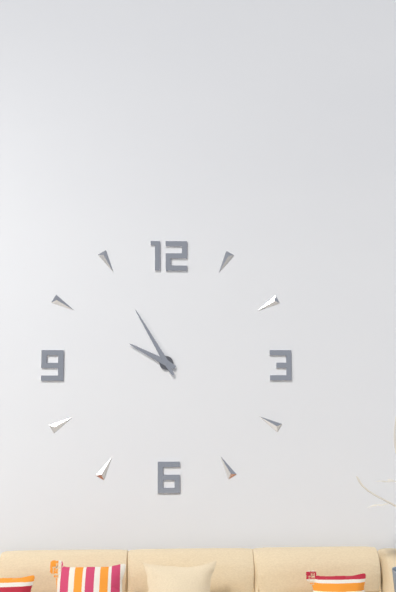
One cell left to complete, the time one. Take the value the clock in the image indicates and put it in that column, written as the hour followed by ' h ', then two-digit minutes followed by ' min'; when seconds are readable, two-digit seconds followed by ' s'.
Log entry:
9 h 55 min
